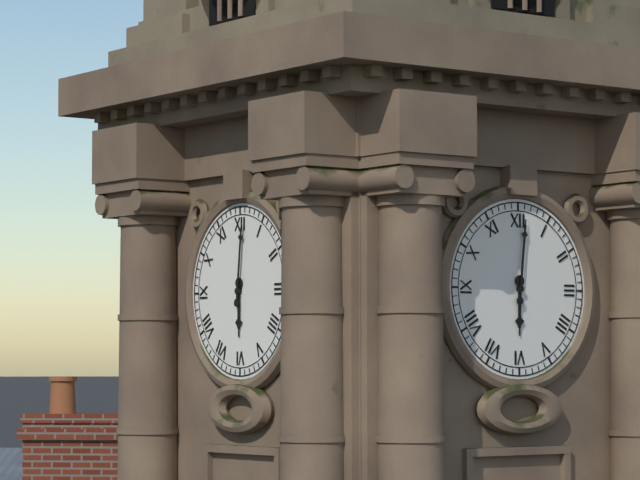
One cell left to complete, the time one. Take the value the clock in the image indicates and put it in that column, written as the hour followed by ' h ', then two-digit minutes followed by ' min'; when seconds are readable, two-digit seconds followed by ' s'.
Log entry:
6 h 01 min
